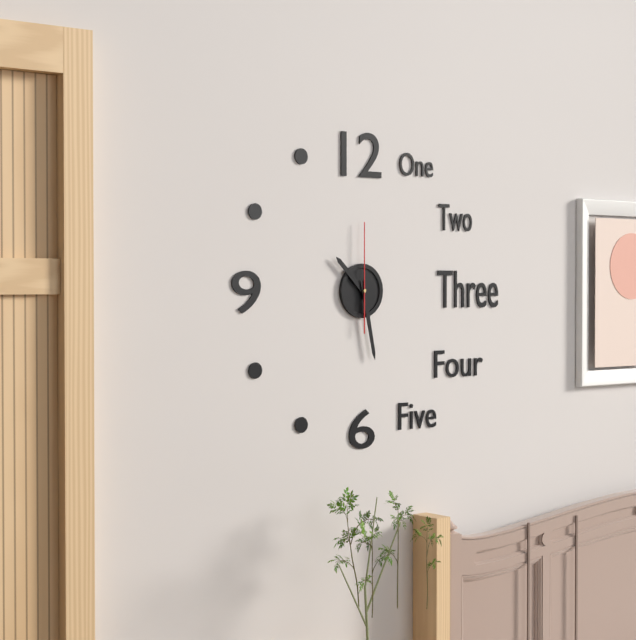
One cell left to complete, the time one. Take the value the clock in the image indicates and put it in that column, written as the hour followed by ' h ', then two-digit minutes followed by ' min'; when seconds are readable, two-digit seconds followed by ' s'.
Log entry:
10 h 28 min 00 s
